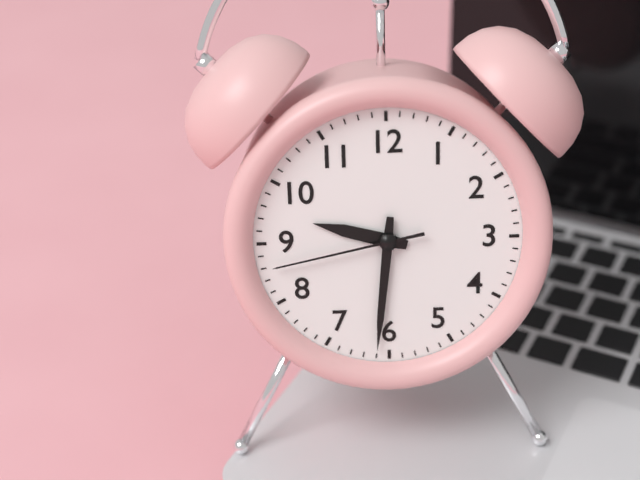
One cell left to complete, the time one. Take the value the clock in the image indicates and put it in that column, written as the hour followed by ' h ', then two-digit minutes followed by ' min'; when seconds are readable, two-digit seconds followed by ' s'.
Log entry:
9 h 31 min 43 s
